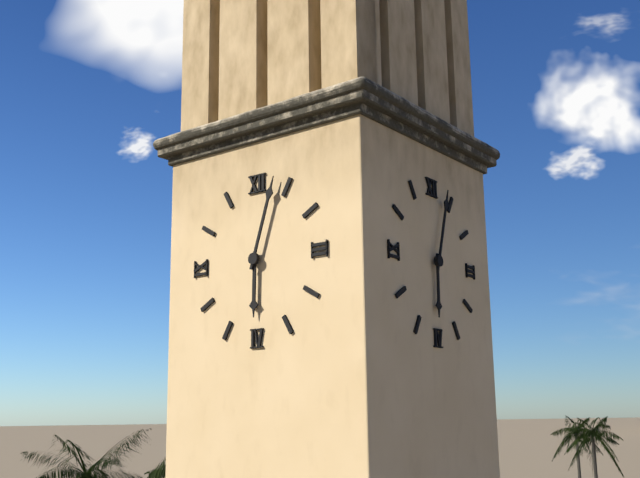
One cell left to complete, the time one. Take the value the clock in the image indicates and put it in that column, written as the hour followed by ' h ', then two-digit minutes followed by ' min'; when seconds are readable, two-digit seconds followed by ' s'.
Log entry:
6 h 03 min
